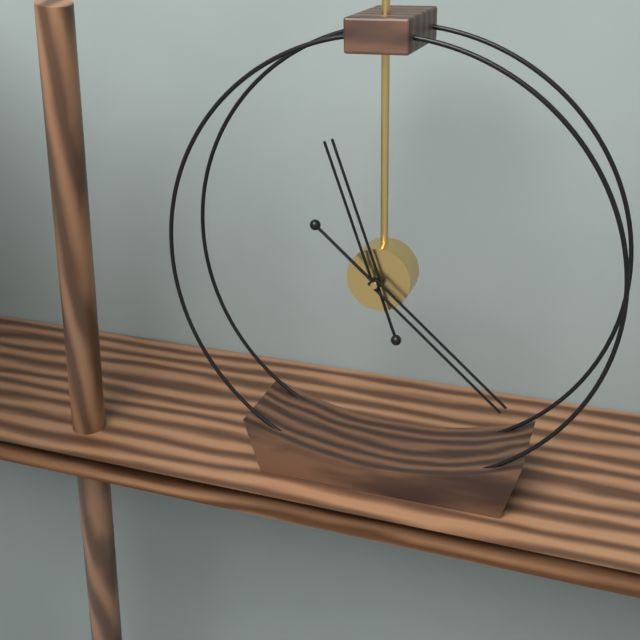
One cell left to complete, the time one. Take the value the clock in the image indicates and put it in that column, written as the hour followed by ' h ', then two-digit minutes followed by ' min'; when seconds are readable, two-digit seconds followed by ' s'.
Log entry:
11 h 22 min
